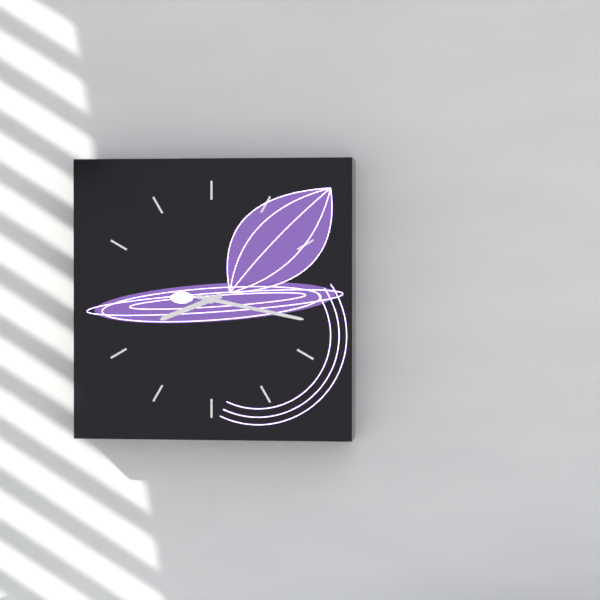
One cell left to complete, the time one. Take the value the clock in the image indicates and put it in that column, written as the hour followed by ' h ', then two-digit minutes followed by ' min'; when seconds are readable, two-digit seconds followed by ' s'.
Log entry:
8 h 17 min
